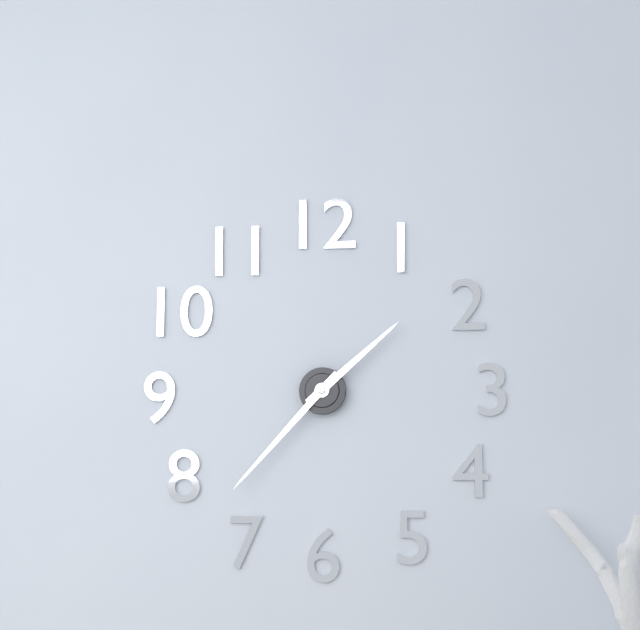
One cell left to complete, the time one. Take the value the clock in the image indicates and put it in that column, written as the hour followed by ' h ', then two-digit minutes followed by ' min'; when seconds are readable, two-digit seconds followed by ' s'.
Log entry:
1 h 37 min
